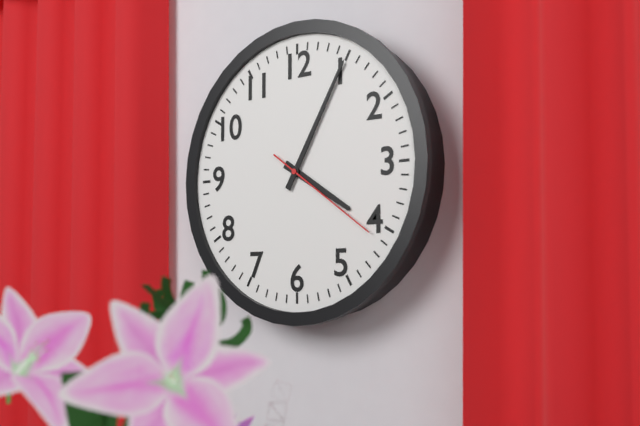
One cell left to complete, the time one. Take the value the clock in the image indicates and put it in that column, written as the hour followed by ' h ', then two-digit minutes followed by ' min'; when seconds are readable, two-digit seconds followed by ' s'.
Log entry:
4 h 05 min 21 s
